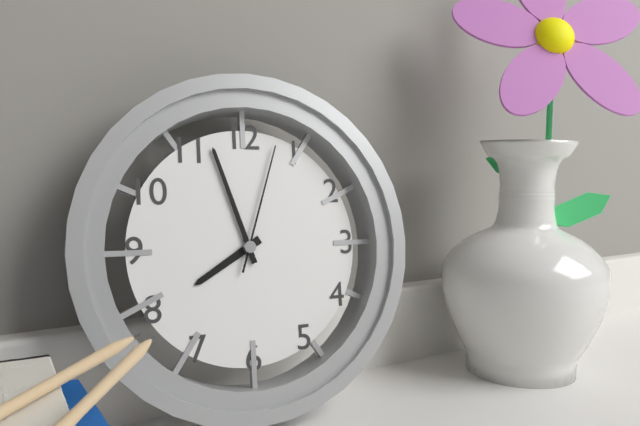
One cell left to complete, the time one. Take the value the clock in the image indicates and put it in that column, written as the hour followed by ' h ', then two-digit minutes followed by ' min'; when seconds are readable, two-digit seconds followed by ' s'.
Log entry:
7 h 57 min 03 s
